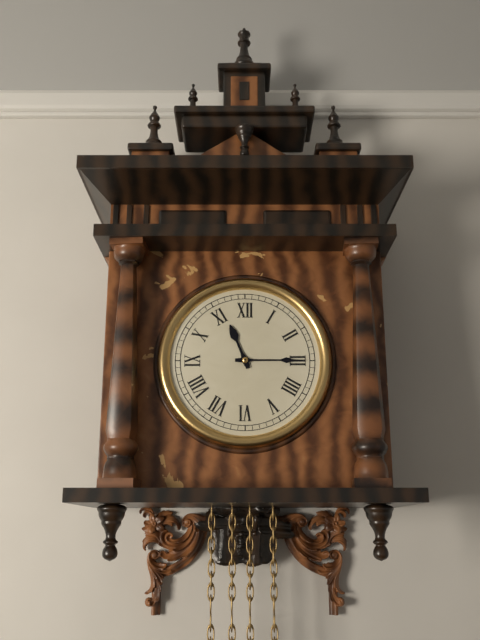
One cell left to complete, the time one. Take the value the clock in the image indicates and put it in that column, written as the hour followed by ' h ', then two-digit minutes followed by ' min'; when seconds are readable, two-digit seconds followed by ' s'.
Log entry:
11 h 15 min
